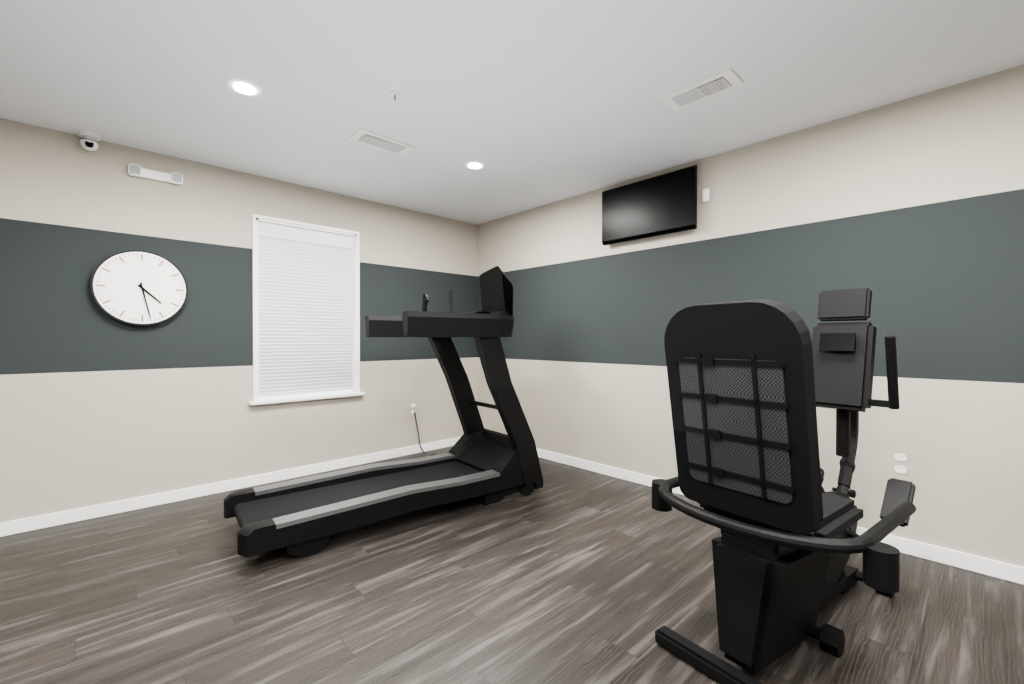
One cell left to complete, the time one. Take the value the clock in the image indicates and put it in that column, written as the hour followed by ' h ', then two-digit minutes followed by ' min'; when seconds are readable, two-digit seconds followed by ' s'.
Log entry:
4 h 28 min
